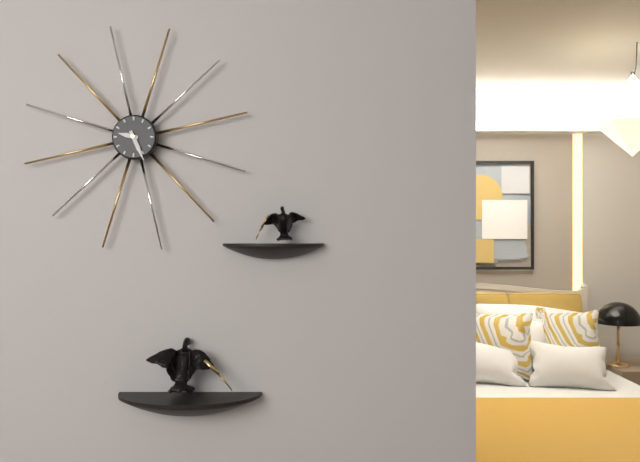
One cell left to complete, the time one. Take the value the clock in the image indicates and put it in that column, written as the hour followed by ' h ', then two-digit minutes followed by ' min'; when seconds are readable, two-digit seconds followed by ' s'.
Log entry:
9 h 26 min
